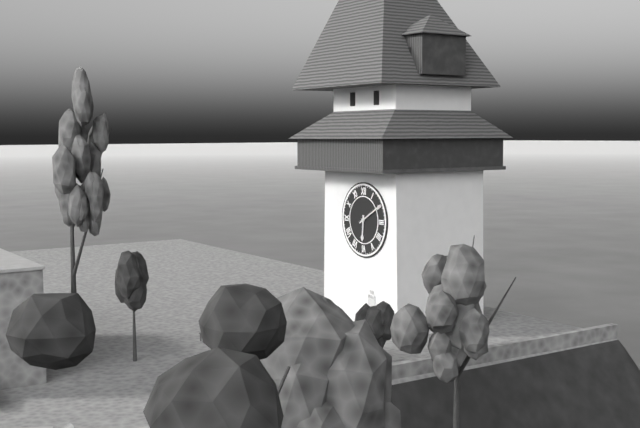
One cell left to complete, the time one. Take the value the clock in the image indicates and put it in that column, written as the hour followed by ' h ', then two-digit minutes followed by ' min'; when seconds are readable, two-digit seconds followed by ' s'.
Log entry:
6 h 10 min
